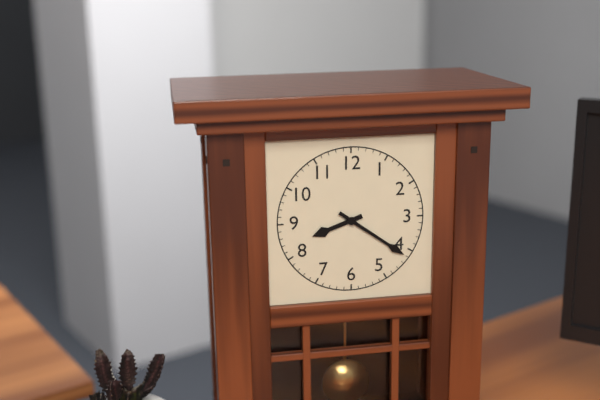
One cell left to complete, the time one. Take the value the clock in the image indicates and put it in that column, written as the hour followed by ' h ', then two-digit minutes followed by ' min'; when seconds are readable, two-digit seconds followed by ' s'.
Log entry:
8 h 21 min
